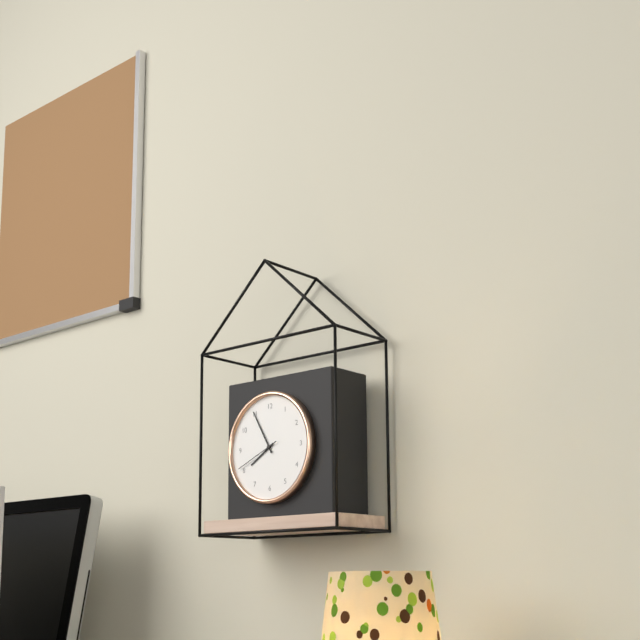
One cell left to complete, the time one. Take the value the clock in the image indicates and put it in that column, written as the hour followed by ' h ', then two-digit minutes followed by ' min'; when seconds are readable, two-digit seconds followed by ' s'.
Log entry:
7 h 55 min
